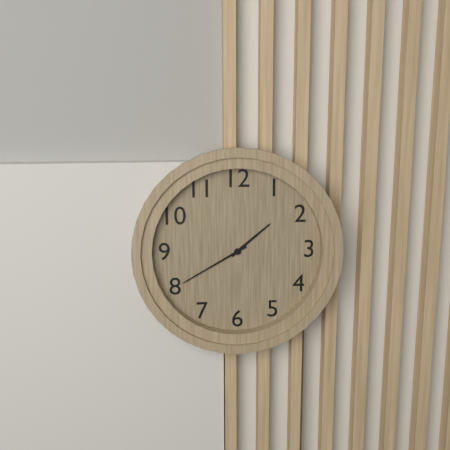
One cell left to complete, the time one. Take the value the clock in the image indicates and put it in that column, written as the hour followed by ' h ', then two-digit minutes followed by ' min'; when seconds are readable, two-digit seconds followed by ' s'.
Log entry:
1 h 40 min
